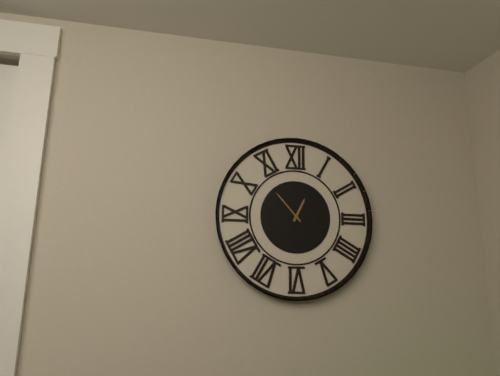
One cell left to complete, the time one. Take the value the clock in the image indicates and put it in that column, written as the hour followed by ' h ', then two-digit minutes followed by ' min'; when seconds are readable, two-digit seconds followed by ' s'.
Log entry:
12 h 53 min
